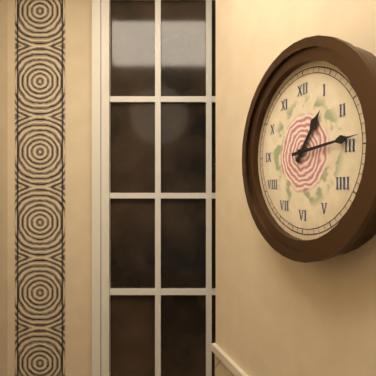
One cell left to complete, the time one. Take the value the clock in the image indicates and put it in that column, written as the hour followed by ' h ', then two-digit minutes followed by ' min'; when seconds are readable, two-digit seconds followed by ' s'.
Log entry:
1 h 14 min
